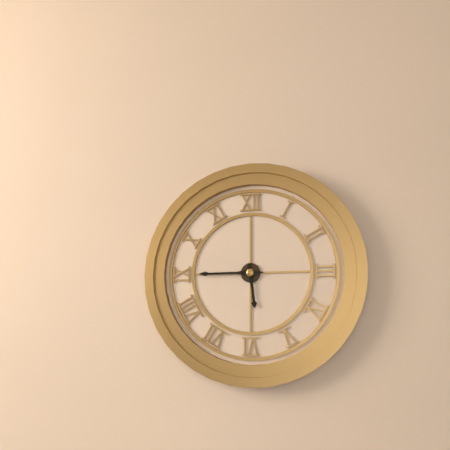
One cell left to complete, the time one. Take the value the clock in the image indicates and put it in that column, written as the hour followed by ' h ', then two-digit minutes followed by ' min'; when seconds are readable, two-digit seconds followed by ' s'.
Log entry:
5 h 45 min
